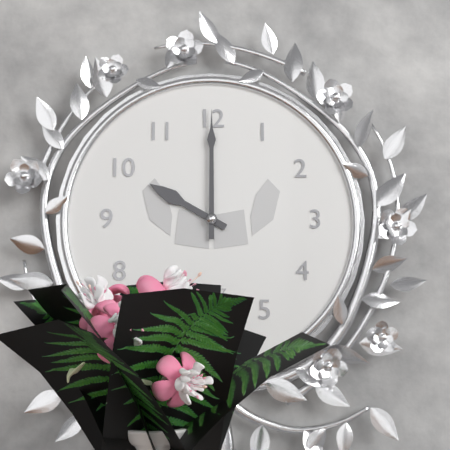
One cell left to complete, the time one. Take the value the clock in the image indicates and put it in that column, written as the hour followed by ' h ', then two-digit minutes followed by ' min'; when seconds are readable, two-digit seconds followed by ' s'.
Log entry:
10 h 00 min
